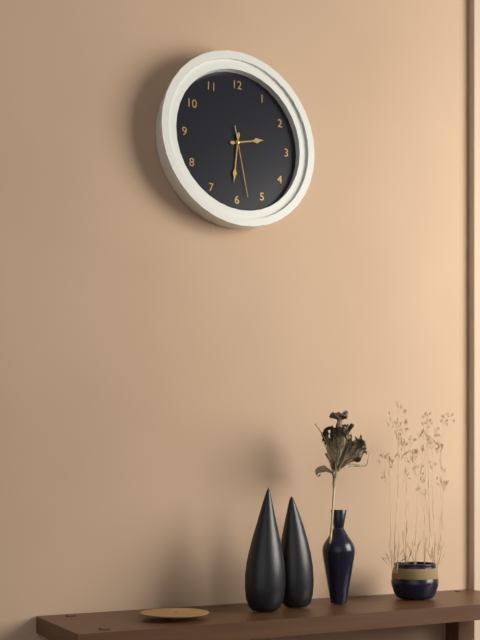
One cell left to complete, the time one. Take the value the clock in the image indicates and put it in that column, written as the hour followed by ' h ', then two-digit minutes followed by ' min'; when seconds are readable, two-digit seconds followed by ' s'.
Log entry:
2 h 31 min 28 s
